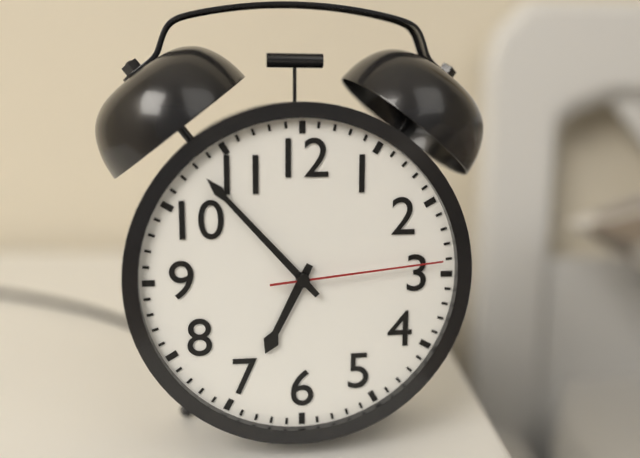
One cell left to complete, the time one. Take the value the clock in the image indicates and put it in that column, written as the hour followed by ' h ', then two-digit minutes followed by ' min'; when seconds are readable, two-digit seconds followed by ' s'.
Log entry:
6 h 53 min 14 s
